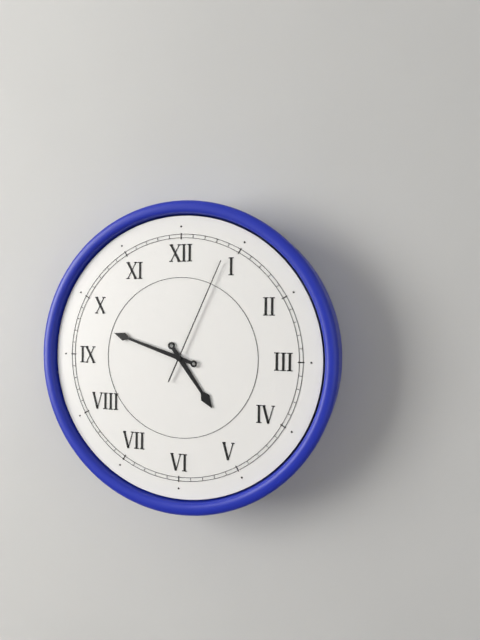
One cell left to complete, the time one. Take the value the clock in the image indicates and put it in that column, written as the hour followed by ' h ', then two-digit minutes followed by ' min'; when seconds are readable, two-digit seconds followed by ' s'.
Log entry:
4 h 48 min 04 s
